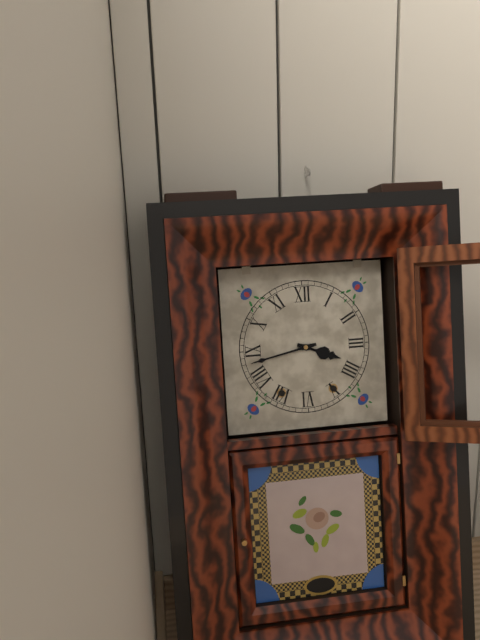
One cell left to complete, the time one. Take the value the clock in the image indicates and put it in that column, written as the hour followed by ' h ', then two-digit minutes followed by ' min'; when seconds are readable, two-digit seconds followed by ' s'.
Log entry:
3 h 43 min
